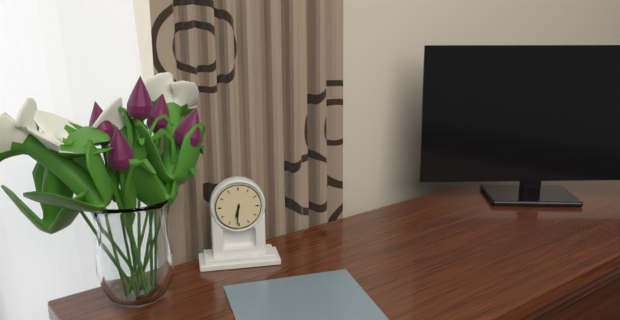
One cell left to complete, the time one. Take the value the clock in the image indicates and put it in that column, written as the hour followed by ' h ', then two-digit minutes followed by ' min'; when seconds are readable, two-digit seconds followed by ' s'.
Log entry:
6 h 31 min
